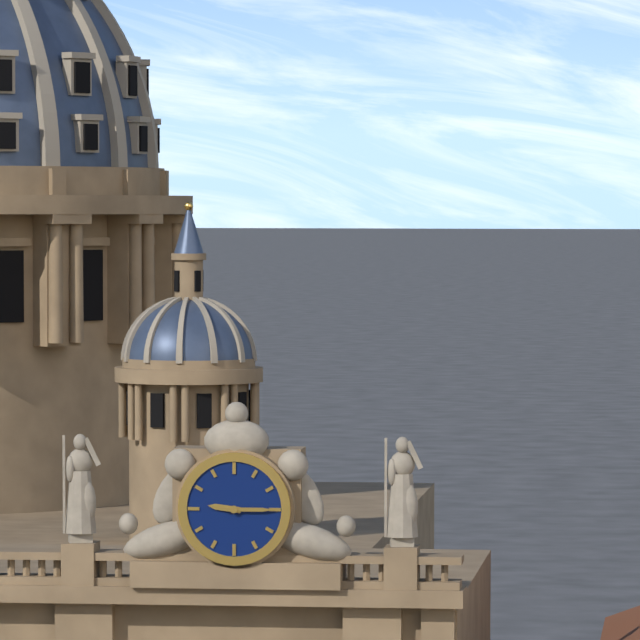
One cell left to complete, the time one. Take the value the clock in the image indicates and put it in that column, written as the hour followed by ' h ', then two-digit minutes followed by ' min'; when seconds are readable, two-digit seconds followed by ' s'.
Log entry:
9 h 15 min
